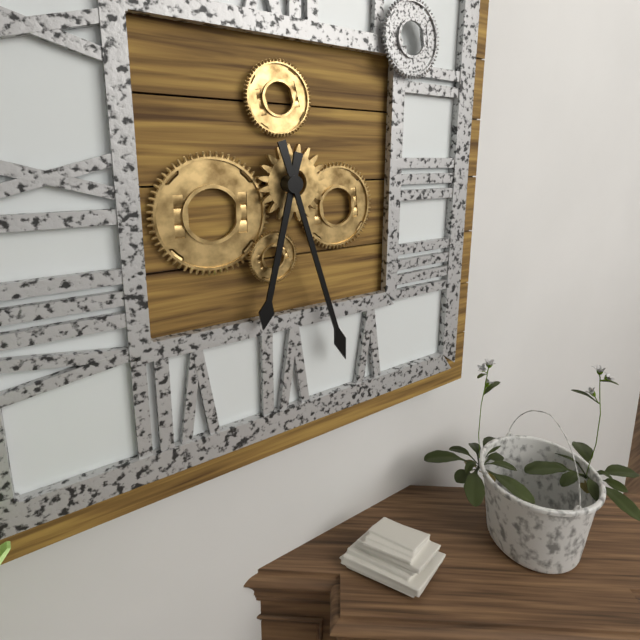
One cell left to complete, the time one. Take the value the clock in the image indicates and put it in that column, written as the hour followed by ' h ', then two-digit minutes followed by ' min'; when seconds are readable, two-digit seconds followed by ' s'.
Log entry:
6 h 27 min
